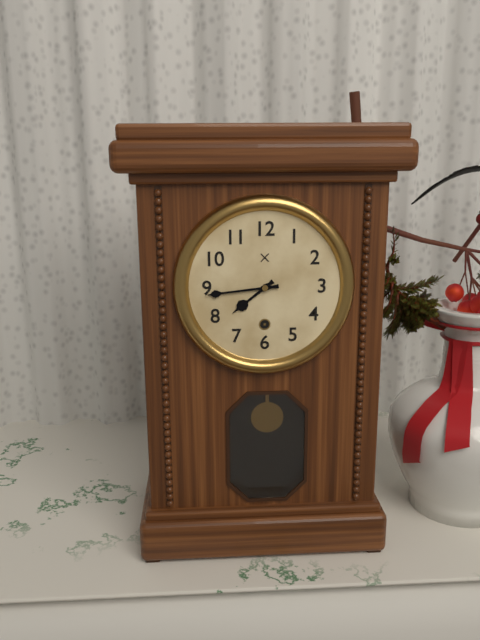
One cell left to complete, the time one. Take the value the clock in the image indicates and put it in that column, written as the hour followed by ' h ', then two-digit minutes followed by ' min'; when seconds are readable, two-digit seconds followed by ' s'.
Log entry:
7 h 44 min
